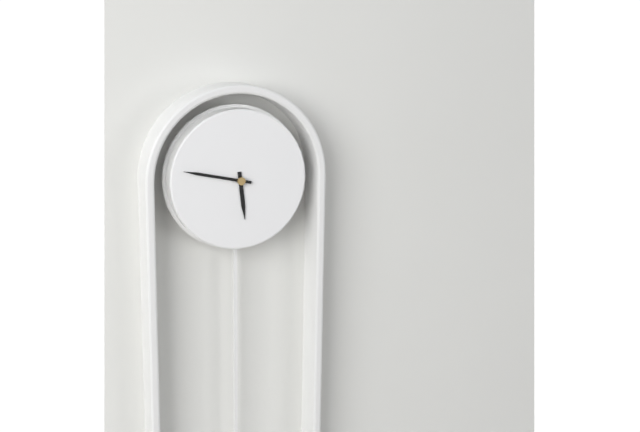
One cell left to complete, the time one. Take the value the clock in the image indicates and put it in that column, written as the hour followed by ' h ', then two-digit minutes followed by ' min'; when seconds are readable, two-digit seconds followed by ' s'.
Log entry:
5 h 47 min
